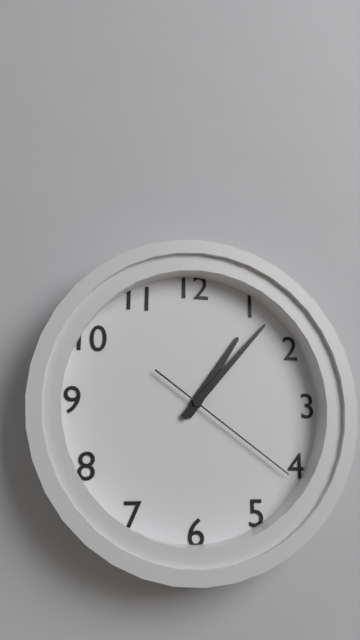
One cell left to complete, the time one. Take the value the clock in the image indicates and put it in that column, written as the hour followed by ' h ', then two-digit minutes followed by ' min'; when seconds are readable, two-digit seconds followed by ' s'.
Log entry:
1 h 07 min 21 s
